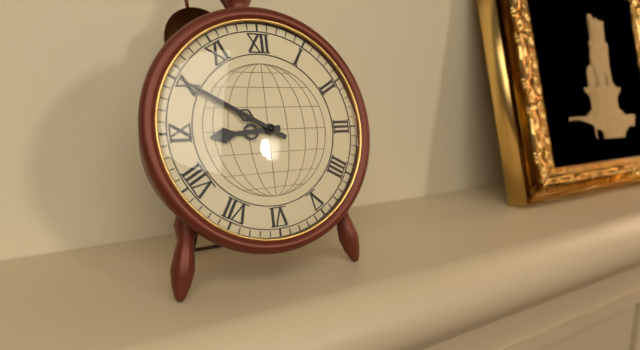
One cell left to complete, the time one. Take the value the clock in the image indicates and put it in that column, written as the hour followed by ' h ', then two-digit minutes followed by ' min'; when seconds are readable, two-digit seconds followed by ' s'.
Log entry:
8 h 50 min
